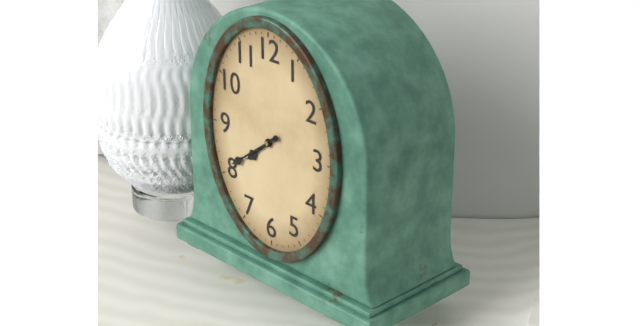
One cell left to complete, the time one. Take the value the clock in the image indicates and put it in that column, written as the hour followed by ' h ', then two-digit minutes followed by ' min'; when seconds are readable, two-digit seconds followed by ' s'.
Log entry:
7 h 39 min
